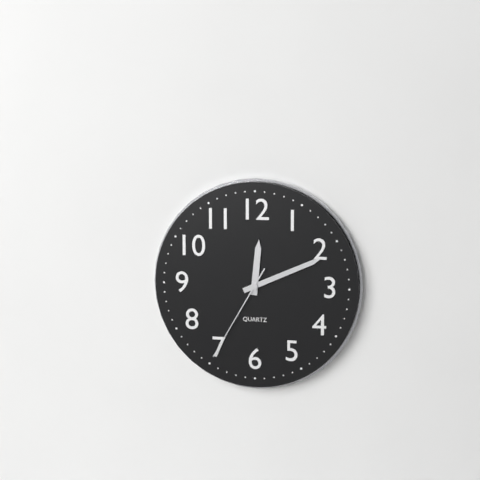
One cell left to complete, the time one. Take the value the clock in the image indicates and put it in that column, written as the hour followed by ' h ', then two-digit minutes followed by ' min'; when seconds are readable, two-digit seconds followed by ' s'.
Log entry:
12 h 11 min 35 s
